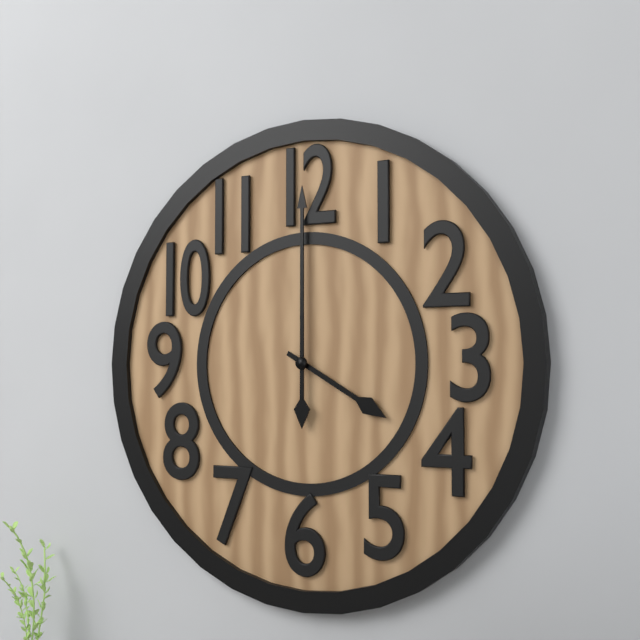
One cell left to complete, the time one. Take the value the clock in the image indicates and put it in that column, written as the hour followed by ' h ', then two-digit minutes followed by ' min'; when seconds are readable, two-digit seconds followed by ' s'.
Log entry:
4 h 00 min
